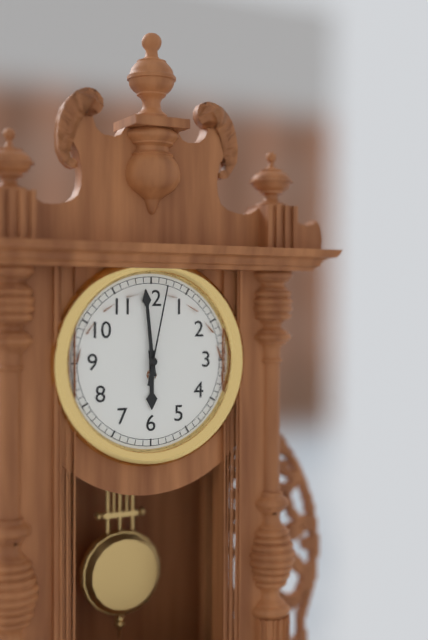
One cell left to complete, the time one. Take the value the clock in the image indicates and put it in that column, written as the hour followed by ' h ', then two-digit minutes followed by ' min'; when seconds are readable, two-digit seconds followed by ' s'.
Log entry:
5 h 59 min 02 s
